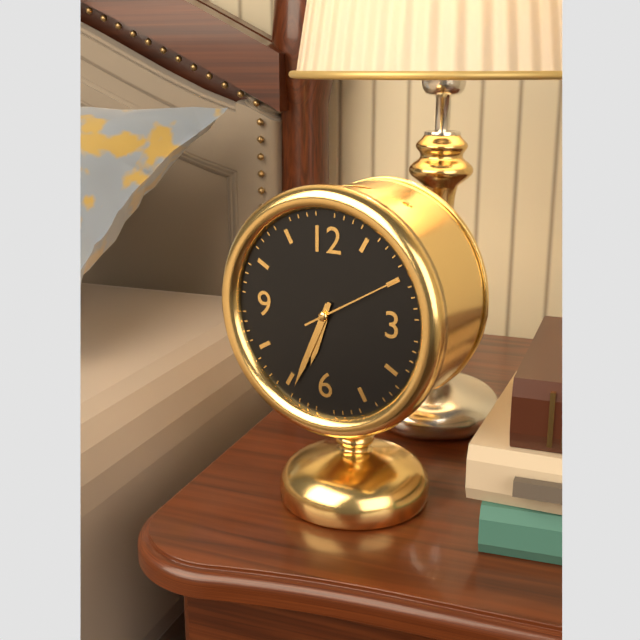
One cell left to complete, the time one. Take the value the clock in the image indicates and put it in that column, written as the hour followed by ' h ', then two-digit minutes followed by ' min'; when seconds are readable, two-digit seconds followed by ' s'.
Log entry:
6 h 34 min 10 s
